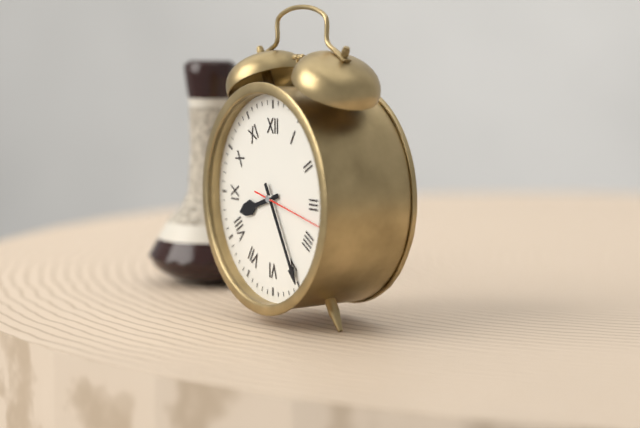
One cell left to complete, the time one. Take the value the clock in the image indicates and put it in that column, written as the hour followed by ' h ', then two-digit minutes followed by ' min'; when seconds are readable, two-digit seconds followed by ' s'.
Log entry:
8 h 25 min 17 s
